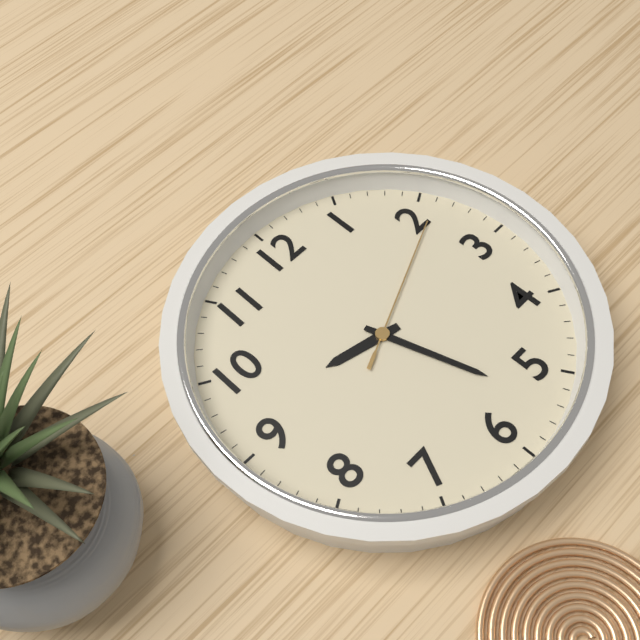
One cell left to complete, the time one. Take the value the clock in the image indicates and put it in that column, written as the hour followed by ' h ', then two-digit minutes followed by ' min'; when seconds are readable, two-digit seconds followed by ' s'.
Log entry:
9 h 27 min 11 s
